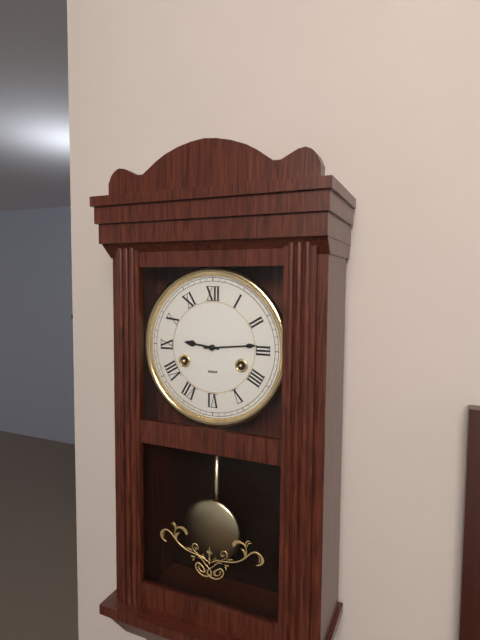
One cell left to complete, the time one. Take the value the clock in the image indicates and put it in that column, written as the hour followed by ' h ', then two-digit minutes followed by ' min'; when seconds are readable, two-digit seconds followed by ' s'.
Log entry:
9 h 14 min
